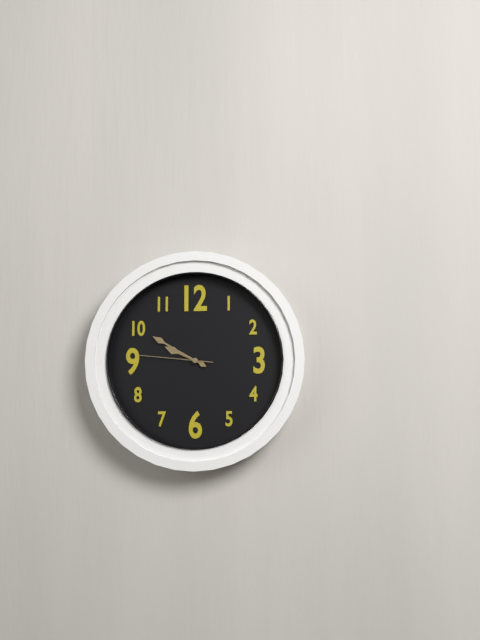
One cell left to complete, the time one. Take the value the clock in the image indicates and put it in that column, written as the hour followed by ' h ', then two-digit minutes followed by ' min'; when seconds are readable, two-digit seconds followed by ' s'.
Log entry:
9 h 50 min 46 s
